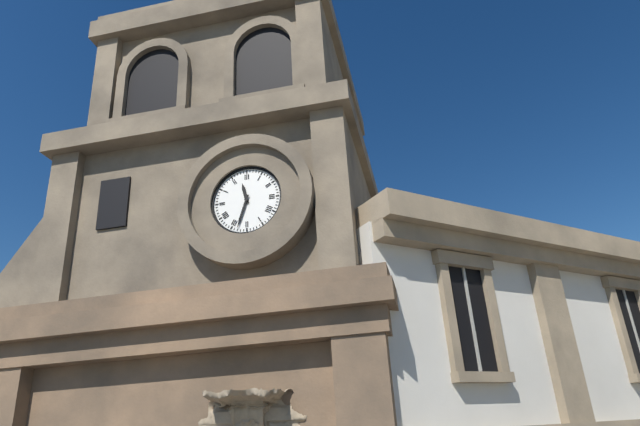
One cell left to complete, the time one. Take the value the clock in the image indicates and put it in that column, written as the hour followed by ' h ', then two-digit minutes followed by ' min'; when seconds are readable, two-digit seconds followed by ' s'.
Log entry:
11 h 33 min
